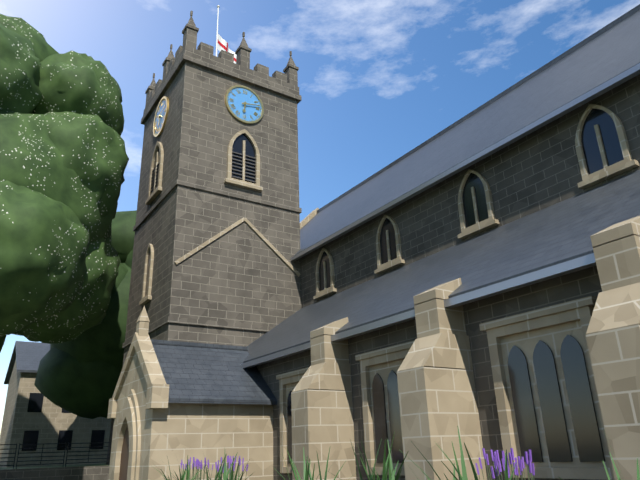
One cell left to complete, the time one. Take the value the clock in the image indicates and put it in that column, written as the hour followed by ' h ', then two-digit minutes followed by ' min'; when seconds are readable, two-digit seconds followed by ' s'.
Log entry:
6 h 13 min
